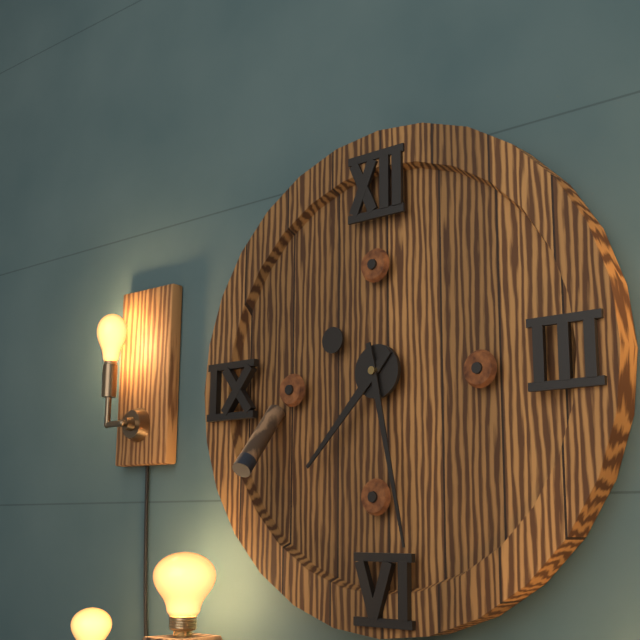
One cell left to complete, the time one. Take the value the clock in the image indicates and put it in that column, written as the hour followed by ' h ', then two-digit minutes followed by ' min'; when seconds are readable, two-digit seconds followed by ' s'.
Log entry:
7 h 28 min
